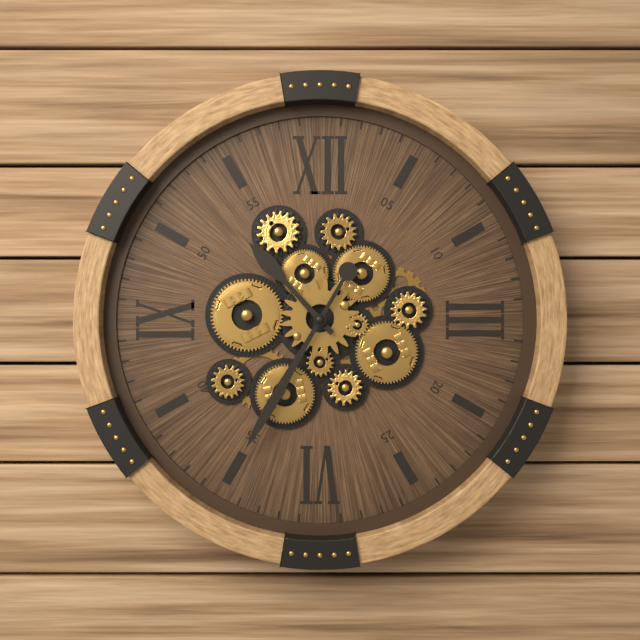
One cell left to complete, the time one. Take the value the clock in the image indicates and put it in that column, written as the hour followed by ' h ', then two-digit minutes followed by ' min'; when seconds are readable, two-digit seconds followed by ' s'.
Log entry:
10 h 35 min
